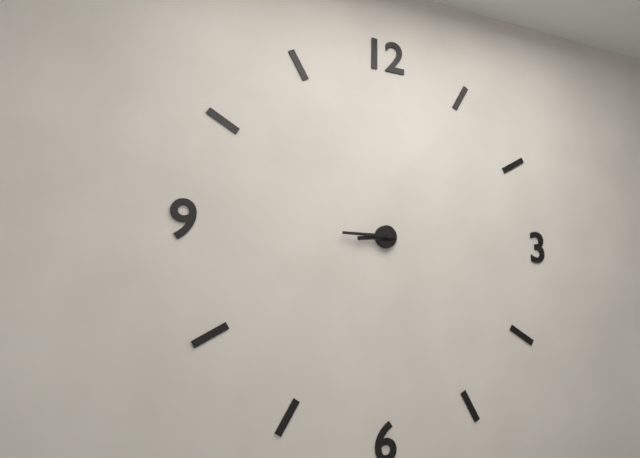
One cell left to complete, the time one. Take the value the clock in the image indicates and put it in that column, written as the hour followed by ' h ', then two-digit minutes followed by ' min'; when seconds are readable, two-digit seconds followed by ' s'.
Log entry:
8 h 45 min
